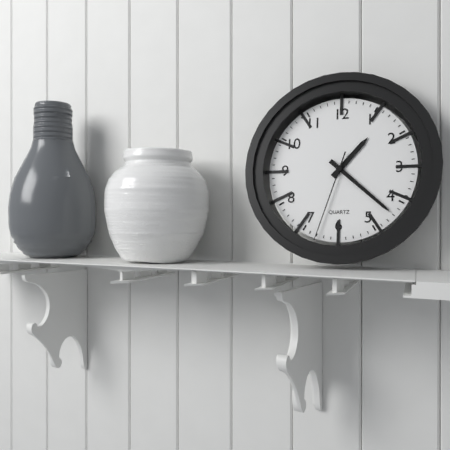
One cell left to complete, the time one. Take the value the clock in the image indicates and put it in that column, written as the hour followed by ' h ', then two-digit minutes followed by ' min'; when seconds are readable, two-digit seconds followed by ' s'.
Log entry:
1 h 22 min 33 s
